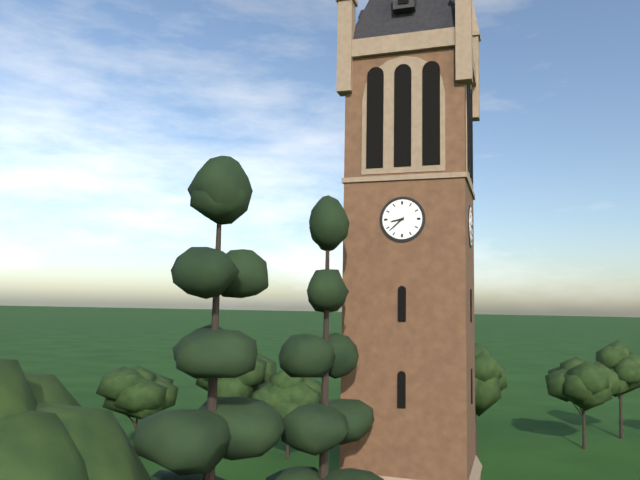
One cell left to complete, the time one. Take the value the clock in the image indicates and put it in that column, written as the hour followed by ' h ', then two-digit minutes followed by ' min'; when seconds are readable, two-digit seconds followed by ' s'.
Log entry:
8 h 38 min
